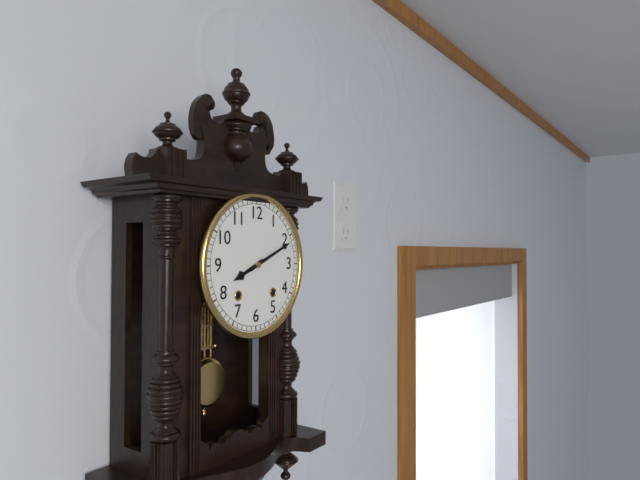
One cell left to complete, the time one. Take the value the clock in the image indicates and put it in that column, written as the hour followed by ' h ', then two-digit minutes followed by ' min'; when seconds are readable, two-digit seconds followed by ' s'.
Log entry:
8 h 11 min
